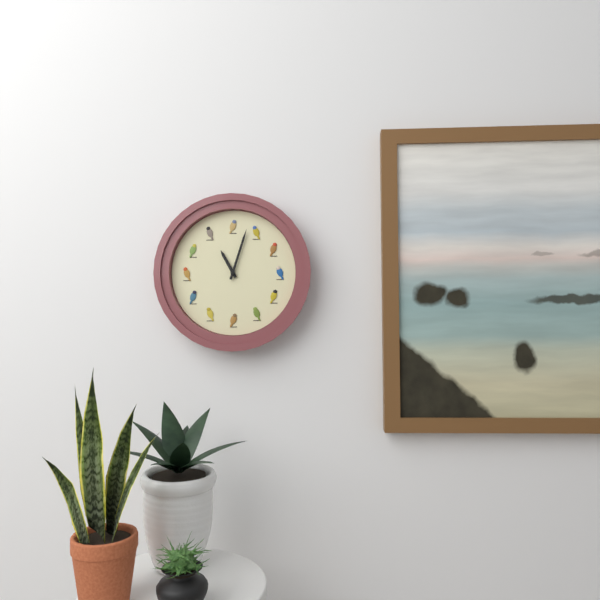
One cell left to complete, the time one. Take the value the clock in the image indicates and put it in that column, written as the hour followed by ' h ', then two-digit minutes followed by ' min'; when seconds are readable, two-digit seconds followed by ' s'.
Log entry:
11 h 03 min
